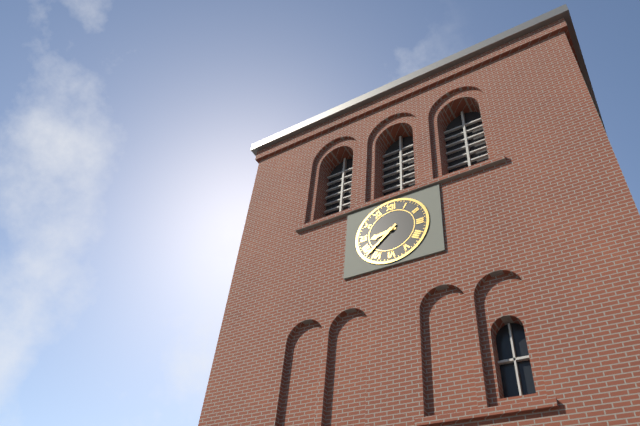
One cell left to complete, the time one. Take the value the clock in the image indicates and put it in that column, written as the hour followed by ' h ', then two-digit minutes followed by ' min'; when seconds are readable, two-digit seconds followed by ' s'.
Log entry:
8 h 38 min
